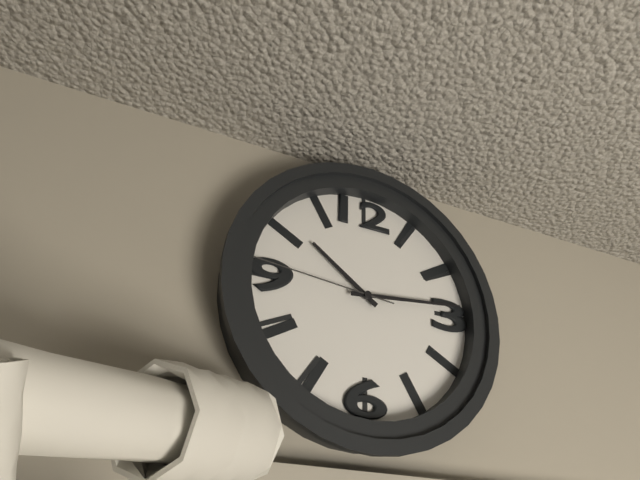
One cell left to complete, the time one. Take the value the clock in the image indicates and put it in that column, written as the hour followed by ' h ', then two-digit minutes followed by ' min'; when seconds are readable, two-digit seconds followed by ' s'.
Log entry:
10 h 14 min 46 s
